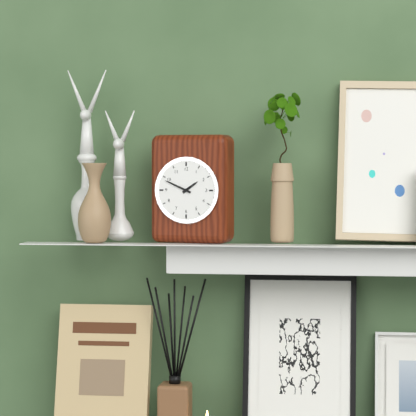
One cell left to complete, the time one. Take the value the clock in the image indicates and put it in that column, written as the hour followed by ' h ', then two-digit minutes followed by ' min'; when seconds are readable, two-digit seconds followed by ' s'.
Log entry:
1 h 49 min
